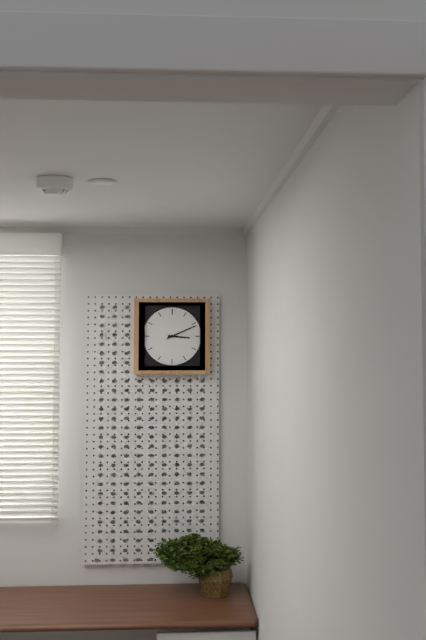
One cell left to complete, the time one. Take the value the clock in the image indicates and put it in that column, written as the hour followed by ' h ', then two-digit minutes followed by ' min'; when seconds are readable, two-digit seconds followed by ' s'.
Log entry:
3 h 11 min
